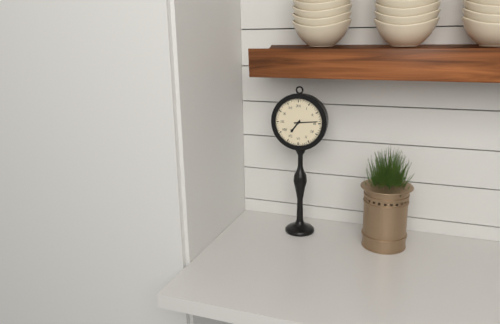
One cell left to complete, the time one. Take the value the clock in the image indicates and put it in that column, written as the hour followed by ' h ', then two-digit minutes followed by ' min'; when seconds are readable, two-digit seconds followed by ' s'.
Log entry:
7 h 14 min
